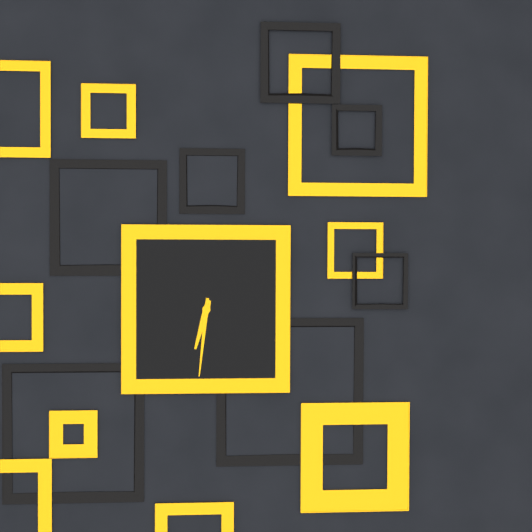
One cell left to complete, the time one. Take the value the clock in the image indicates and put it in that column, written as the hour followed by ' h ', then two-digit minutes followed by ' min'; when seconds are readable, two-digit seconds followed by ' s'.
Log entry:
6 h 31 min
